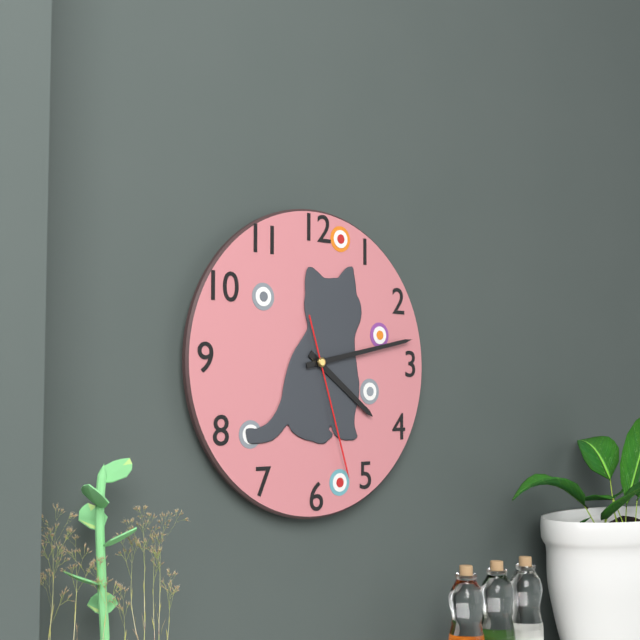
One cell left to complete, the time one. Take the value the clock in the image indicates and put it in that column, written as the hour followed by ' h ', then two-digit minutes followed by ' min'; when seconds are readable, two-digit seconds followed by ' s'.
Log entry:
4 h 13 min 27 s
